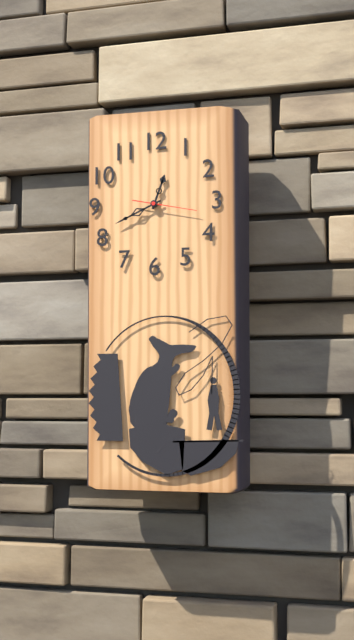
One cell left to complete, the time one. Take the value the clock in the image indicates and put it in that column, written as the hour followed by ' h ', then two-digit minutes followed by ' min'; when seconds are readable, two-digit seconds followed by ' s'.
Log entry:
12 h 41 min 17 s
